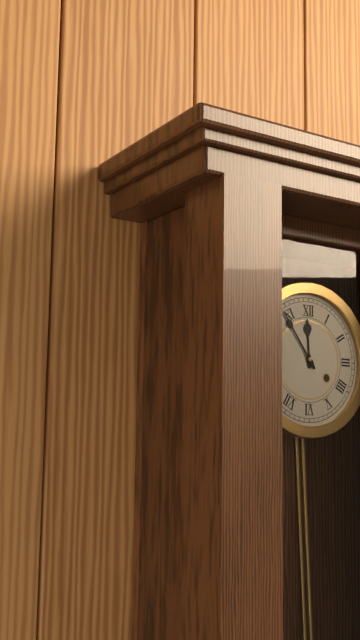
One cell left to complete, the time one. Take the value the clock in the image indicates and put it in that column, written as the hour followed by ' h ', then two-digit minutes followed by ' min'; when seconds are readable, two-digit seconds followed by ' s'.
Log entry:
11 h 54 min
